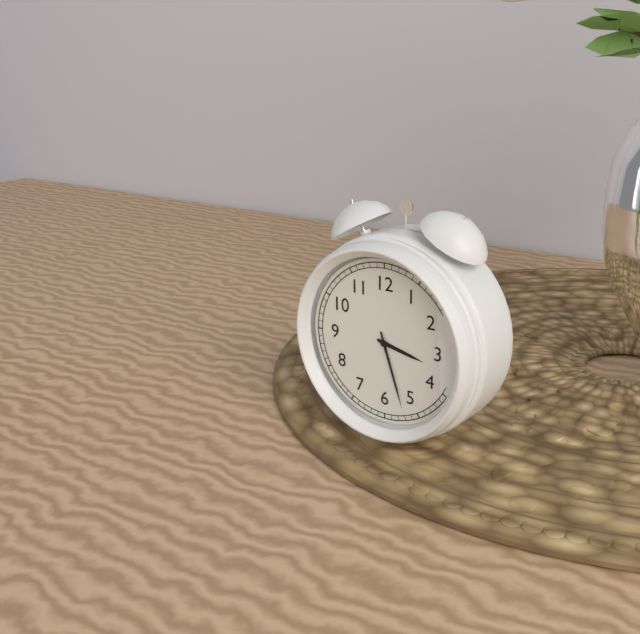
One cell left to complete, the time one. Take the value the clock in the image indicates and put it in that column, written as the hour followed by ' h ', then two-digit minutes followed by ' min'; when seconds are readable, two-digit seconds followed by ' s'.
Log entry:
3 h 27 min
